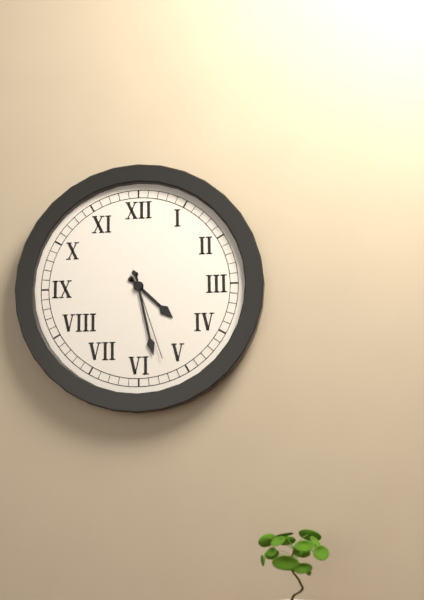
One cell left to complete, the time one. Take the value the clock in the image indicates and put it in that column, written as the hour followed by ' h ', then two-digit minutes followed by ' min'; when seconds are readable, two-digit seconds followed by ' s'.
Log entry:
4 h 28 min 27 s
